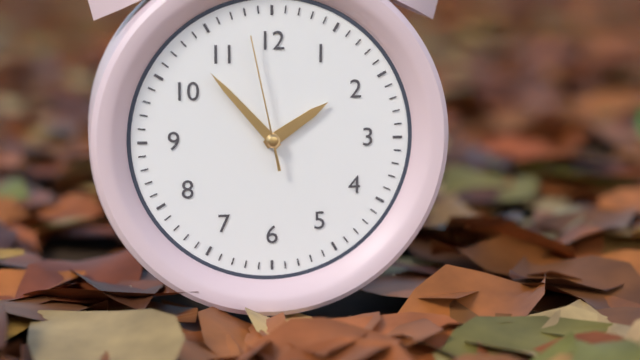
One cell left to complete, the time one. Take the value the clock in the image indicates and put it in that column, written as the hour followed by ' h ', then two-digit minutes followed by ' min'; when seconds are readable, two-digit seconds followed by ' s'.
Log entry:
1 h 53 min 58 s
